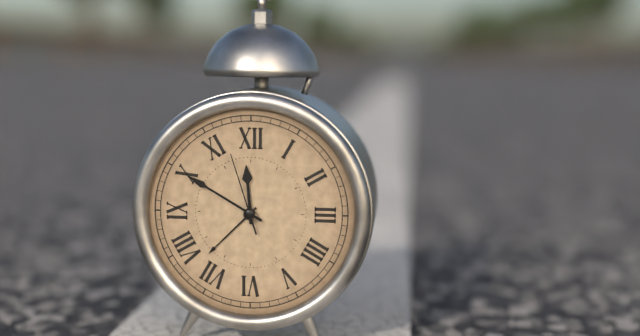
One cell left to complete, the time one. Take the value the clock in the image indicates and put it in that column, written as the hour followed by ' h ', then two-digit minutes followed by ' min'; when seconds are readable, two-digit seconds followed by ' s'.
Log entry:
11 h 50 min 57 s
